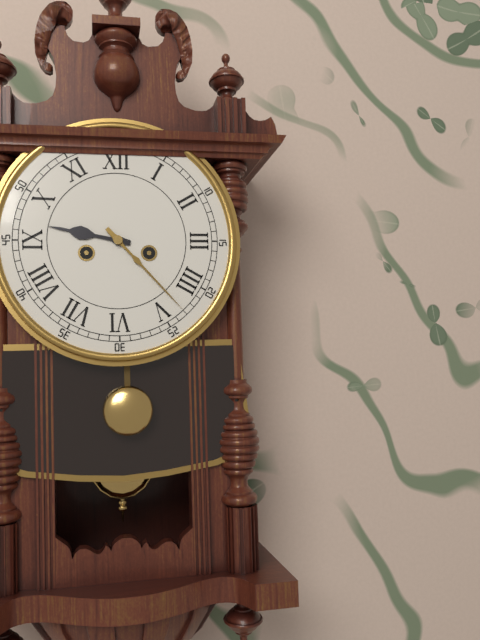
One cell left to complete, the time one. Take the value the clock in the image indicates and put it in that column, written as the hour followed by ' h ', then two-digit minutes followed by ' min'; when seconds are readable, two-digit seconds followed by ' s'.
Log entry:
9 h 23 min
